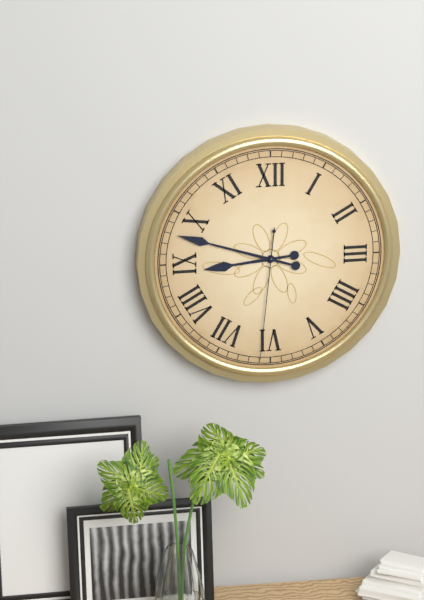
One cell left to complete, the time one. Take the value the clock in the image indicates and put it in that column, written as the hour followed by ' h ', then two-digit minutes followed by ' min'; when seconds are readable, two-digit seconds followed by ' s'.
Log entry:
8 h 48 min 31 s
